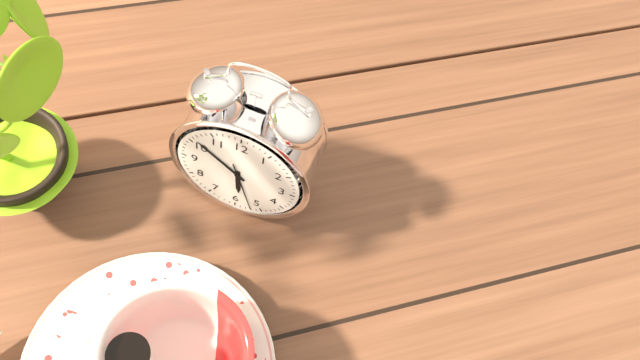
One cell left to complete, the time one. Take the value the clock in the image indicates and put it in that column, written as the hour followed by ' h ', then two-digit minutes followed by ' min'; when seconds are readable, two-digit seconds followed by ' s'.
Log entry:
5 h 51 min
